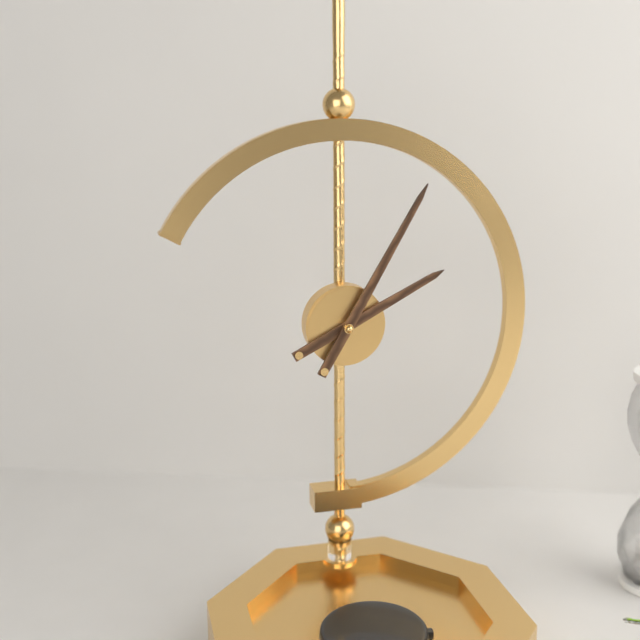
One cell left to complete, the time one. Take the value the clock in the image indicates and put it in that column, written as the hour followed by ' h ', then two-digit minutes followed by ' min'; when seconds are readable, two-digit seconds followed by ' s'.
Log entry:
2 h 05 min
